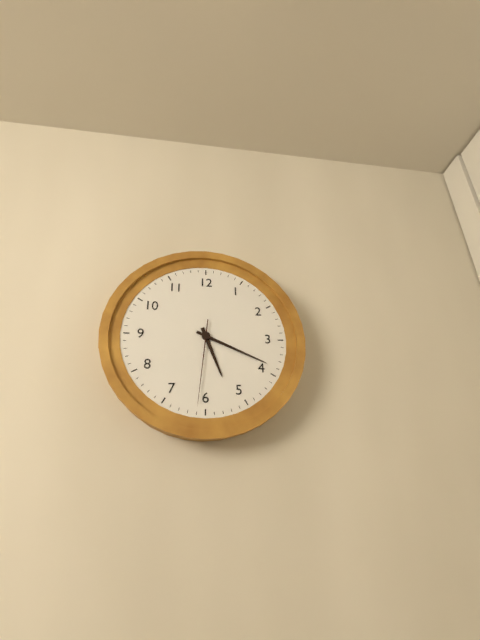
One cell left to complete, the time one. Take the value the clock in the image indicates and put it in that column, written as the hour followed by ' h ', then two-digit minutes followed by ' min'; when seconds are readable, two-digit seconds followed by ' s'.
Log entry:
5 h 19 min 31 s
